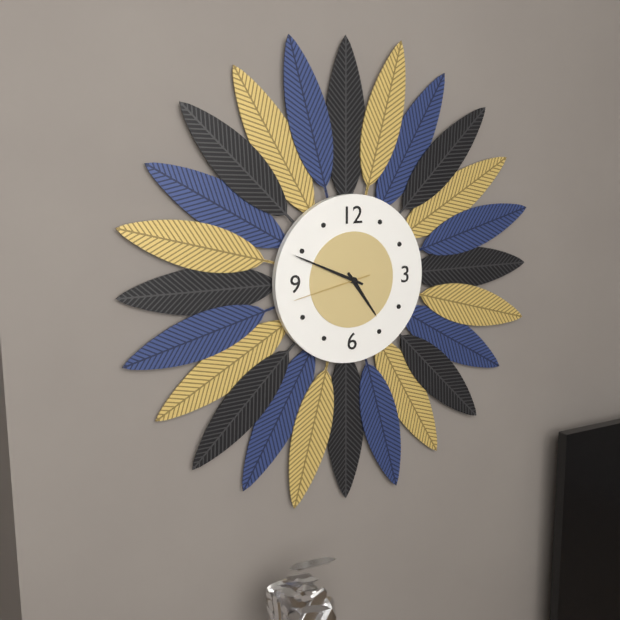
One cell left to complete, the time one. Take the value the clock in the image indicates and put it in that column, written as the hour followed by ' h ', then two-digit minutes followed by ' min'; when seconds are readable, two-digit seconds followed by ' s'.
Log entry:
4 h 49 min 43 s
